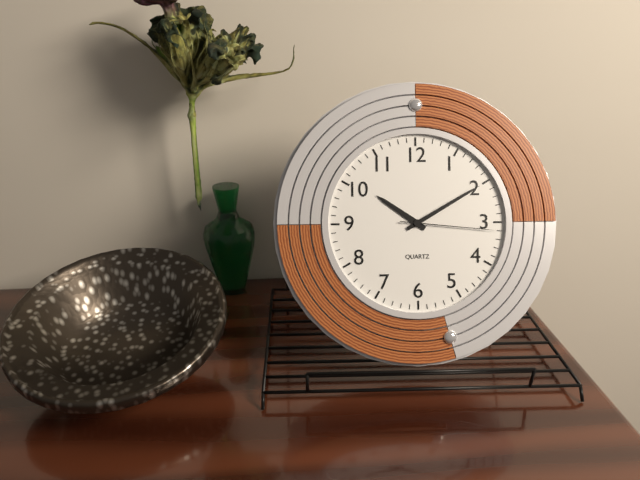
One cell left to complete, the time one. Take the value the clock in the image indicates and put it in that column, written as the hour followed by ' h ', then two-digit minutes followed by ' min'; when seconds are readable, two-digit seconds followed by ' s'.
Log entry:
10 h 10 min 16 s
